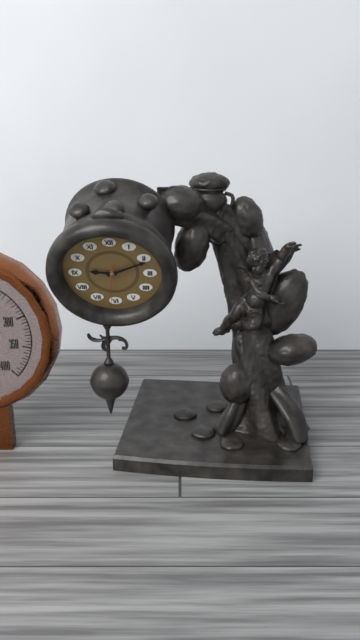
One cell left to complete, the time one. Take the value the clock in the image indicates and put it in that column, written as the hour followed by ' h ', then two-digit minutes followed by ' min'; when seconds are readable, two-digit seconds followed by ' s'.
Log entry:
9 h 11 min
